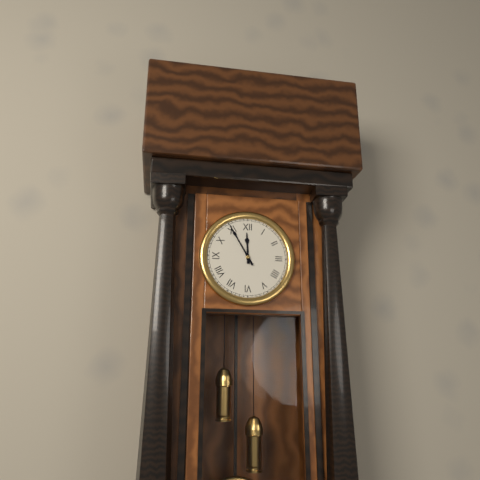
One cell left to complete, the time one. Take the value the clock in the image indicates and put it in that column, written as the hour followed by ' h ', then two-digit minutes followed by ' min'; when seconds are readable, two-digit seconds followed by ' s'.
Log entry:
11 h 55 min
